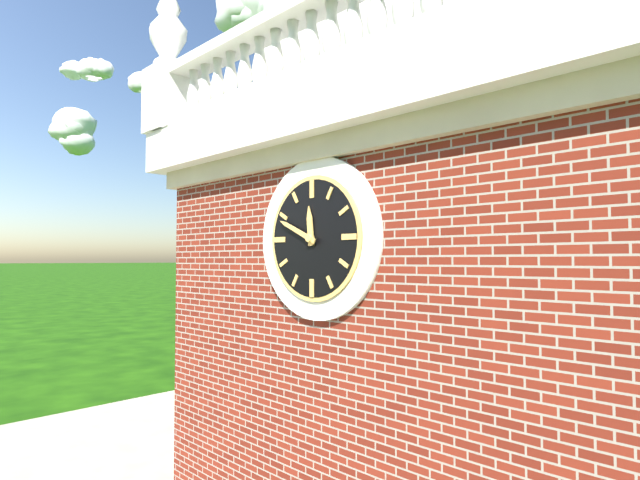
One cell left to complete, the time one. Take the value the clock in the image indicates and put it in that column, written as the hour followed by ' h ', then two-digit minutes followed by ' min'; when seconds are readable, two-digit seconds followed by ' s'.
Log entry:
11 h 49 min
